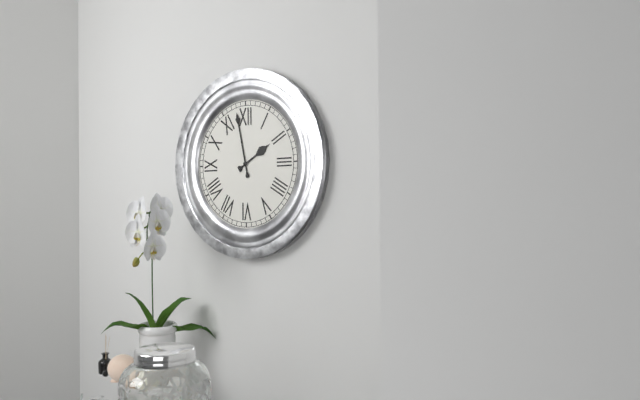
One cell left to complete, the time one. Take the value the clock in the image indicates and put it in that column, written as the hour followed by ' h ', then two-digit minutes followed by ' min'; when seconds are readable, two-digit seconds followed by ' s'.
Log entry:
1 h 58 min
